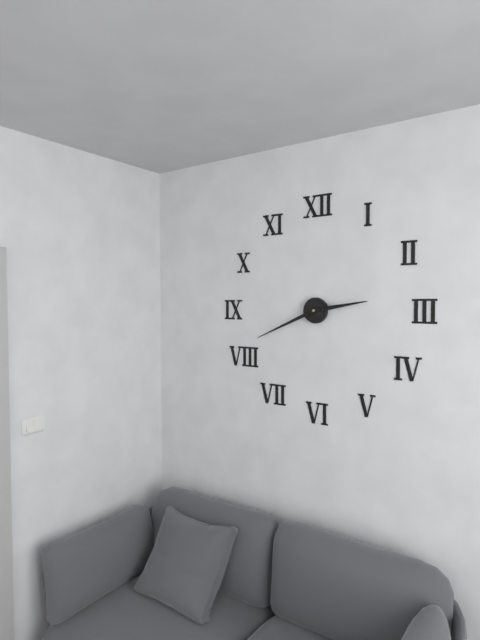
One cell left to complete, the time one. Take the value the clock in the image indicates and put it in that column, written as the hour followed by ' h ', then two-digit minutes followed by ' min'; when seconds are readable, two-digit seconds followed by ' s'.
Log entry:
2 h 41 min
